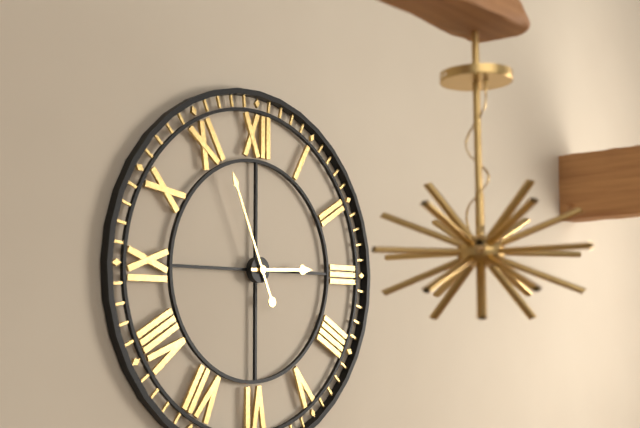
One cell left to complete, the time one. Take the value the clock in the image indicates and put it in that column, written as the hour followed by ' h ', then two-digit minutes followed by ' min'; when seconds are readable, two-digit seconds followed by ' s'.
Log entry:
2 h 56 min
